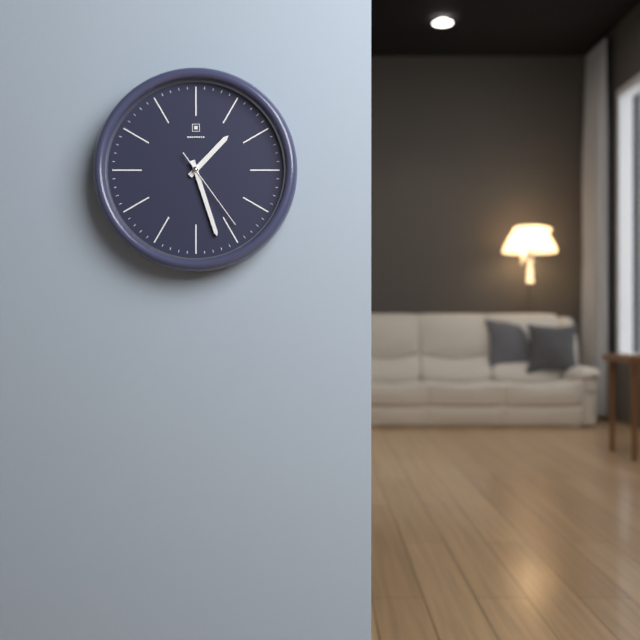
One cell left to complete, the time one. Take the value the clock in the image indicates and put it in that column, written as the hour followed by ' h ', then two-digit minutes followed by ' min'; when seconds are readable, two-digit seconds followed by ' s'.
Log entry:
1 h 27 min 24 s
